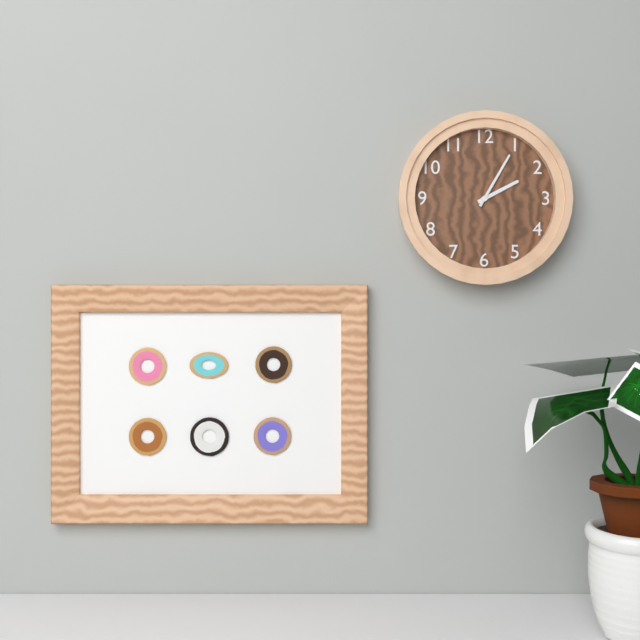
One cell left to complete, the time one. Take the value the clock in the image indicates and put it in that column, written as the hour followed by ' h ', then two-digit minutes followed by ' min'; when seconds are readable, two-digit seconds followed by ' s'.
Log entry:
2 h 05 min
